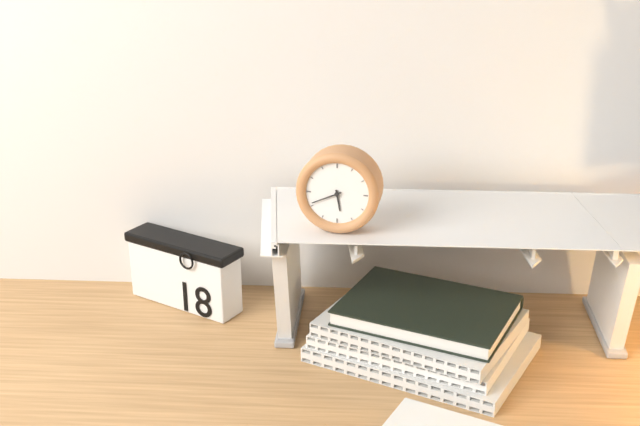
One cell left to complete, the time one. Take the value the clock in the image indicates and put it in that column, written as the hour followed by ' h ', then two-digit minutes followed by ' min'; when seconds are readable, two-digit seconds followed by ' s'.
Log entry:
5 h 41 min
